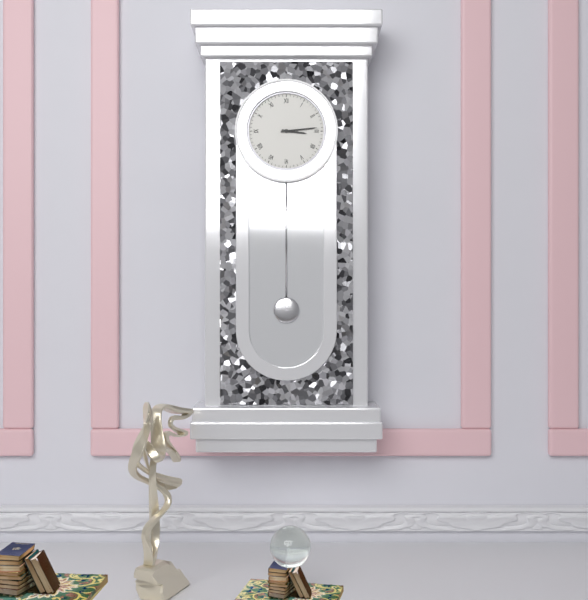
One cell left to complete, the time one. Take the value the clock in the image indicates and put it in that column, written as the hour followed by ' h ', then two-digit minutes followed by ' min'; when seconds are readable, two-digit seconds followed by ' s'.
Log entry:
3 h 14 min
